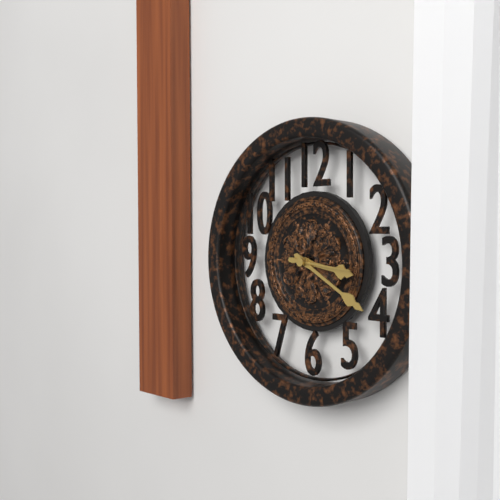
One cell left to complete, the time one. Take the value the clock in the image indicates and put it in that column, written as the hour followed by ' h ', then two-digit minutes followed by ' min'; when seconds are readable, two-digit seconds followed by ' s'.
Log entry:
3 h 20 min 16 s
